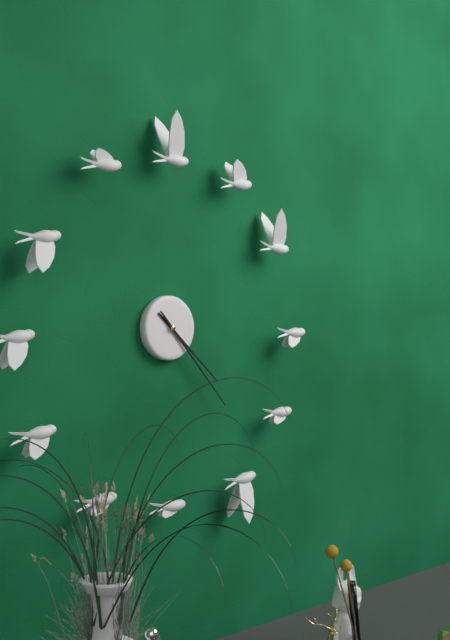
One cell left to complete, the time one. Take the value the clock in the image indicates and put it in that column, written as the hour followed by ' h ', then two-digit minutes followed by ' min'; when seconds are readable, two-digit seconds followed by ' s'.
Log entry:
4 h 23 min
